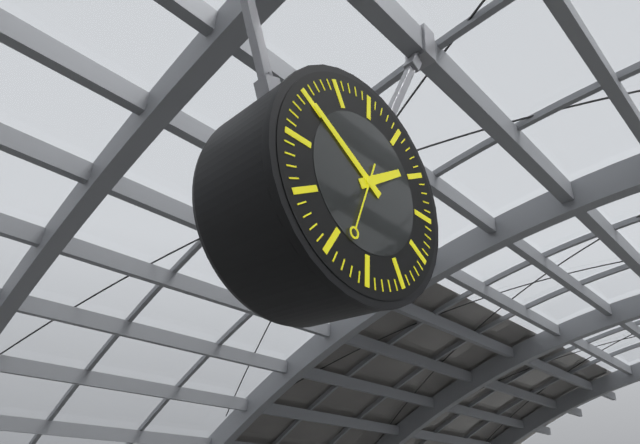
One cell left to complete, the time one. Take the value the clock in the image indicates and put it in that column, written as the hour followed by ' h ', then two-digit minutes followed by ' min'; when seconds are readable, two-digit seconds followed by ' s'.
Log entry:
1 h 50 min 33 s
